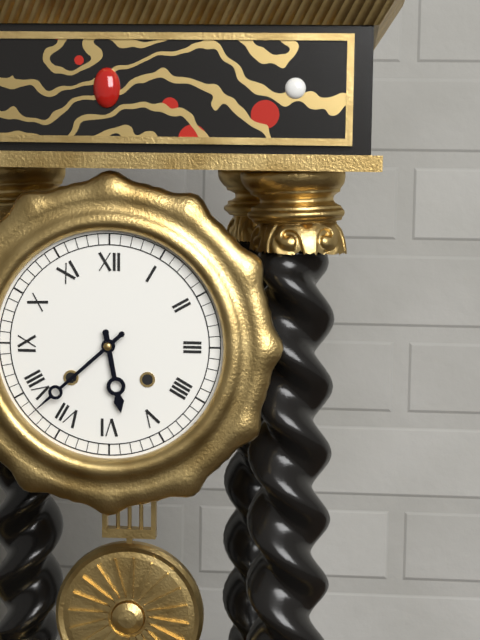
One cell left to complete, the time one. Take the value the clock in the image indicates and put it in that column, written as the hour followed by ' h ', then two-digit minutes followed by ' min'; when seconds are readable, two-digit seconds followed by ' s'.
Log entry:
5 h 38 min
